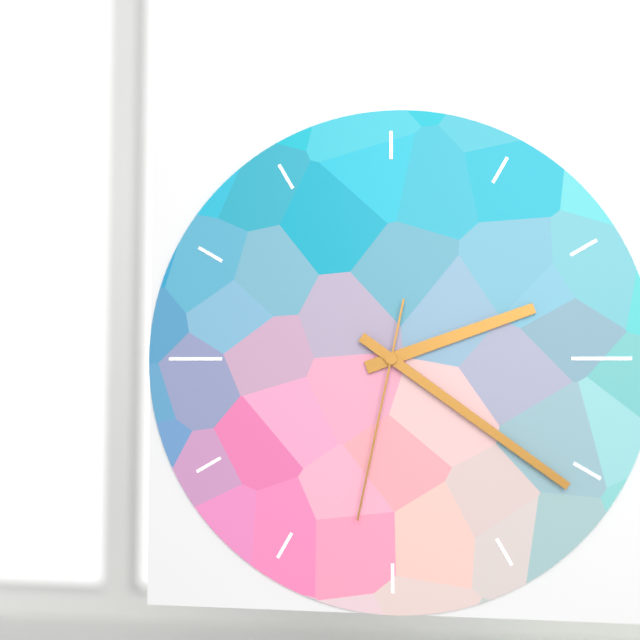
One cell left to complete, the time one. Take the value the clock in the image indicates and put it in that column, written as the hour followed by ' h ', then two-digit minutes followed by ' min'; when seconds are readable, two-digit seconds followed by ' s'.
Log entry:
2 h 21 min 32 s
